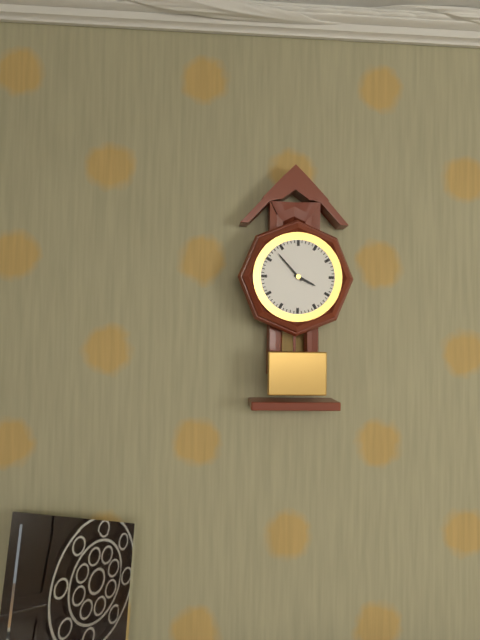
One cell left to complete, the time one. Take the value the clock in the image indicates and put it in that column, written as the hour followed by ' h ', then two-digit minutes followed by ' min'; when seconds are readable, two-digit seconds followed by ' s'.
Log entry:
3 h 53 min
